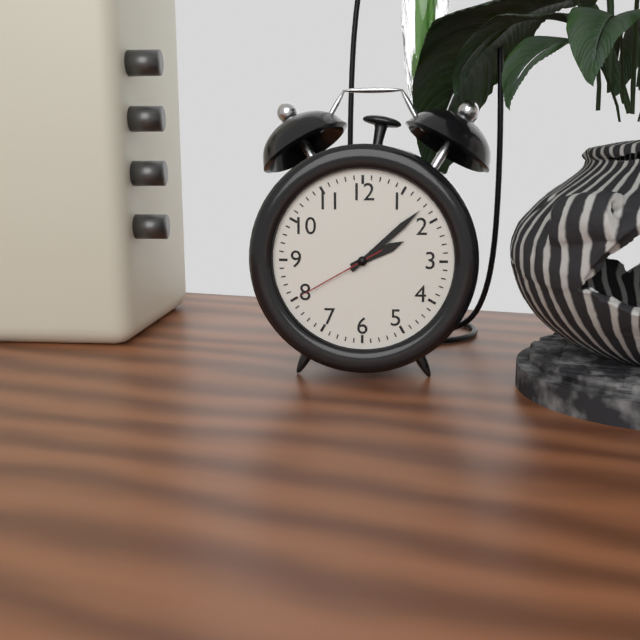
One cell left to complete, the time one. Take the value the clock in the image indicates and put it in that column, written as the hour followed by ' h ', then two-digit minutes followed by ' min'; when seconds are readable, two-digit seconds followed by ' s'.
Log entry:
2 h 08 min 40 s
